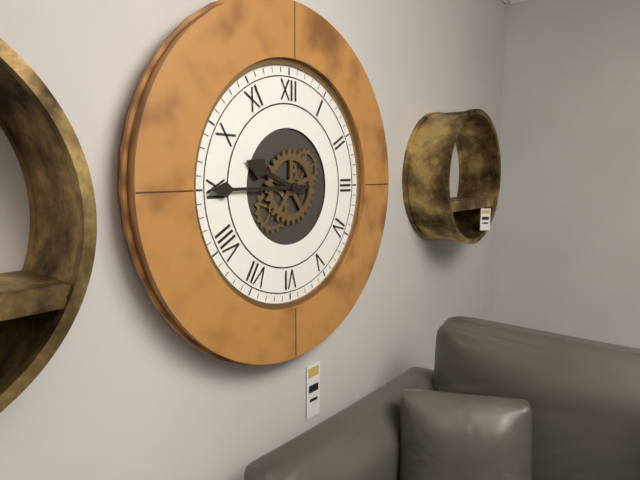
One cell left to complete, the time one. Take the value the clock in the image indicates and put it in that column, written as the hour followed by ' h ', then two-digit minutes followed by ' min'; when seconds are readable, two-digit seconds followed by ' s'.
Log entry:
9 h 45 min
